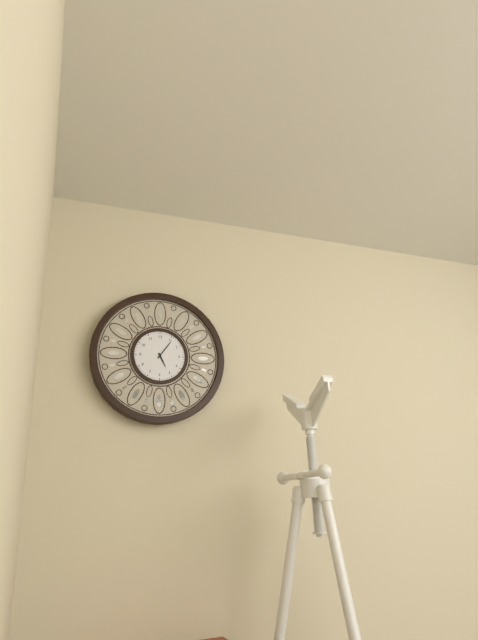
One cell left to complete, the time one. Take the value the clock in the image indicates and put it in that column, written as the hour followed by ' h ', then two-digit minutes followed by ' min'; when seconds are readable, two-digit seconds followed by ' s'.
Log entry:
5 h 06 min
